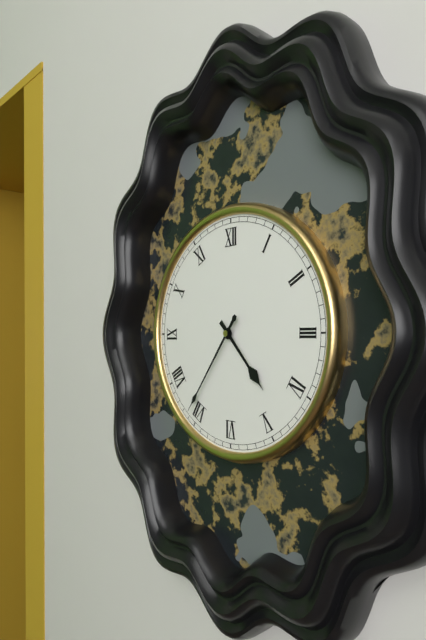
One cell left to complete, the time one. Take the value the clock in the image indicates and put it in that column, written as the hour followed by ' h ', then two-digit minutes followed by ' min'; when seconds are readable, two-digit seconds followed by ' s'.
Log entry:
4 h 36 min
